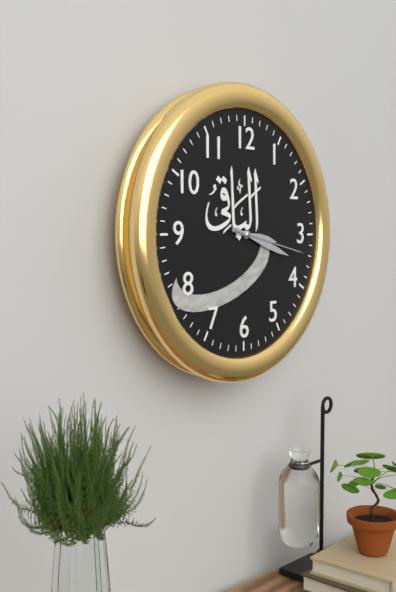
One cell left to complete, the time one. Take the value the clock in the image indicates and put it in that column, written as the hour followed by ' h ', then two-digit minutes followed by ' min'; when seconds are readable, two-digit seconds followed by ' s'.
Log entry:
3 h 18 min 17 s
